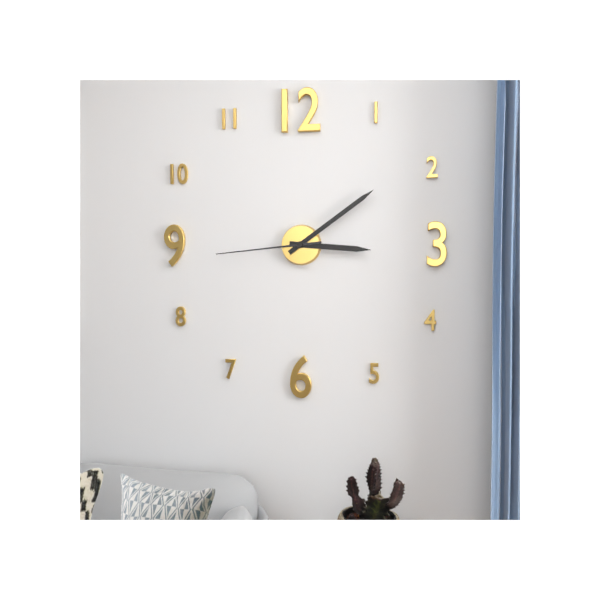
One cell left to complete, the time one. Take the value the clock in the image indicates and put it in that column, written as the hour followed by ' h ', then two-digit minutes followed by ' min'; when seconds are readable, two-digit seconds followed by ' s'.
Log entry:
3 h 09 min 44 s
